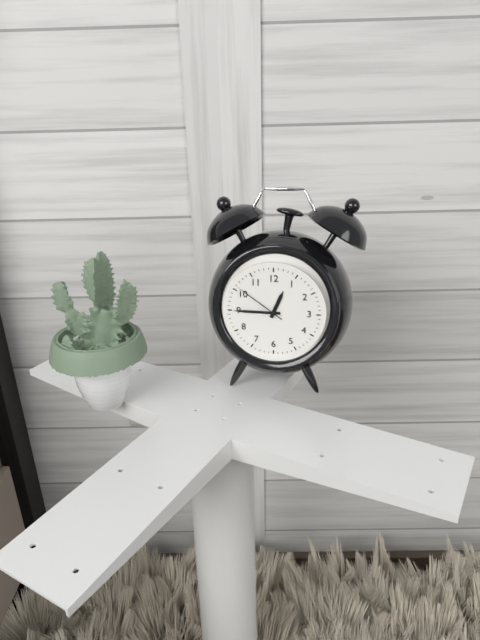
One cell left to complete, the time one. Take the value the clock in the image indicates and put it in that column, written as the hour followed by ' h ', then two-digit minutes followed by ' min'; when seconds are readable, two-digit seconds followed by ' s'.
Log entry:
12 h 45 min 51 s
